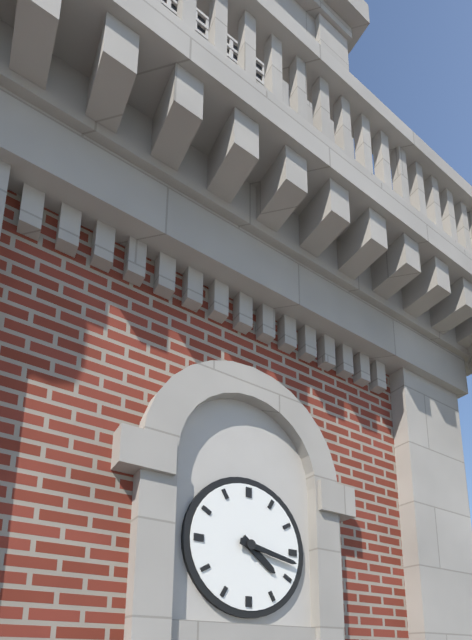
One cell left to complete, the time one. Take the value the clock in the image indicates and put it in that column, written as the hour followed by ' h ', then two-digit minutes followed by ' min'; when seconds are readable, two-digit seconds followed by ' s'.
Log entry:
4 h 17 min
